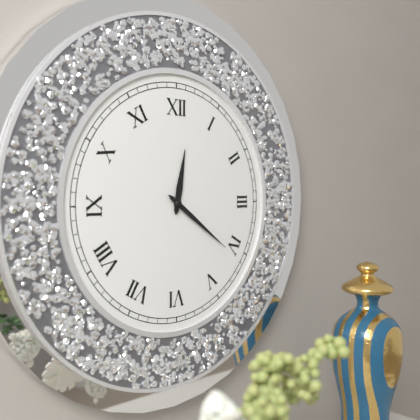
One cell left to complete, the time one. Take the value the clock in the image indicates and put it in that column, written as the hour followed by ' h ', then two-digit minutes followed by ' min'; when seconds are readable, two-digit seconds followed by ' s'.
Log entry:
12 h 21 min
